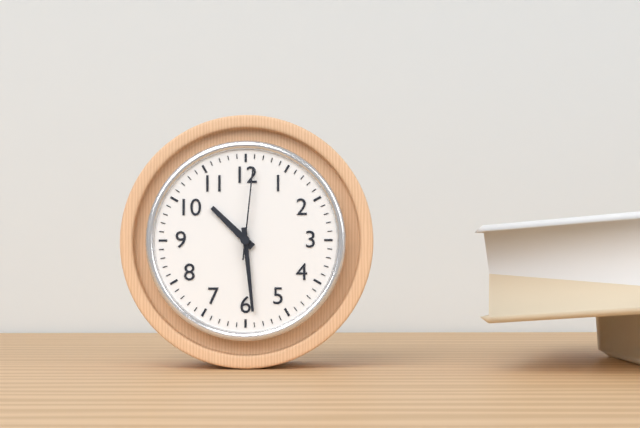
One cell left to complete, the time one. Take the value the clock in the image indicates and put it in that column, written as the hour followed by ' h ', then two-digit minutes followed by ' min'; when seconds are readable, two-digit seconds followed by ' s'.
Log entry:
10 h 29 min 01 s
